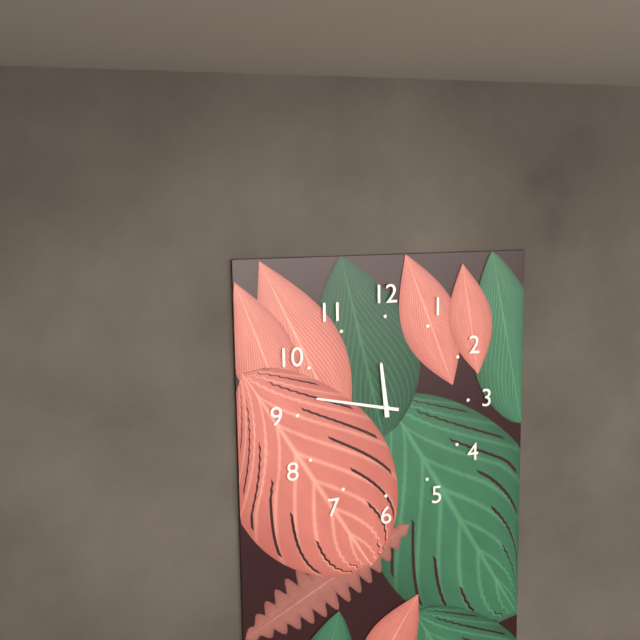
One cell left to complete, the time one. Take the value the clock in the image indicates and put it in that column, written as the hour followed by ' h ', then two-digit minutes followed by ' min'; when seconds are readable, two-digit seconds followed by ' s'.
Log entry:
11 h 47 min
